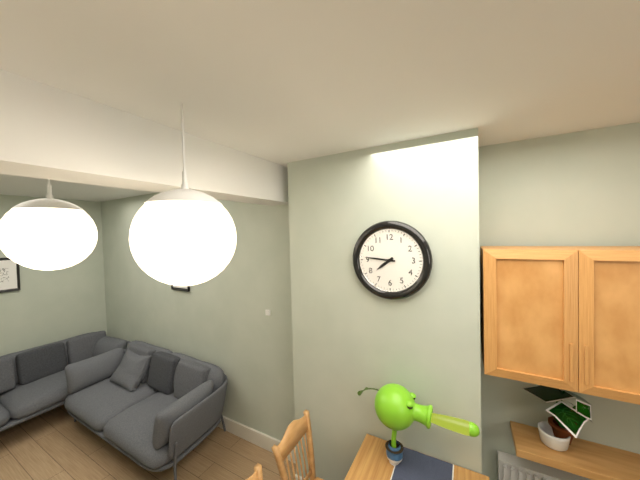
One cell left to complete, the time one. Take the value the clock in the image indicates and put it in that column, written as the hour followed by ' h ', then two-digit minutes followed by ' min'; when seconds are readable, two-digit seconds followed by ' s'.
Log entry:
7 h 46 min
